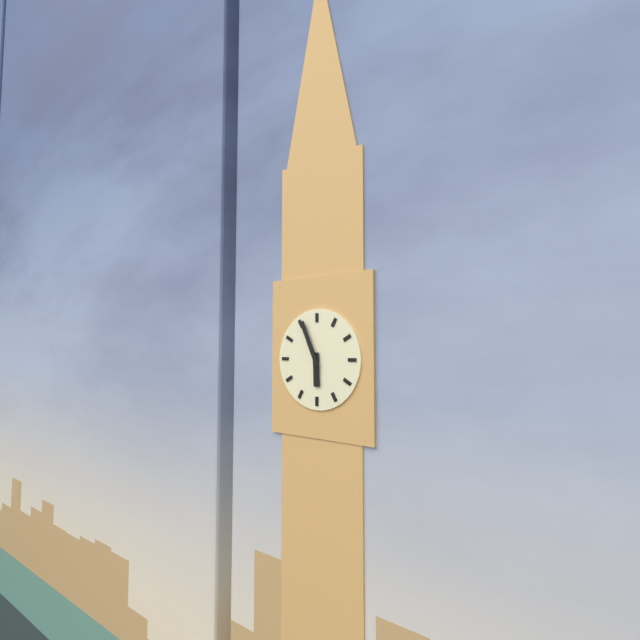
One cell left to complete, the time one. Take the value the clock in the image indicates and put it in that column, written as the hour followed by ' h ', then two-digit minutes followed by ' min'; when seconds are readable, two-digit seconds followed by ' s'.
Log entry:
5 h 56 min
